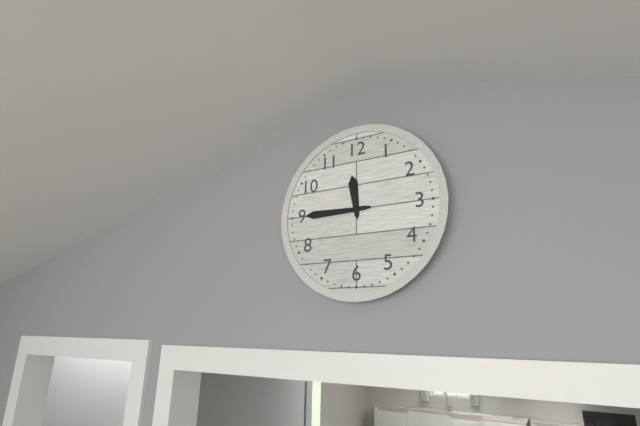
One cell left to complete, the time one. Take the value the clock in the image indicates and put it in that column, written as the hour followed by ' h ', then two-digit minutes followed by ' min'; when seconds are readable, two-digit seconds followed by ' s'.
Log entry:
11 h 45 min
